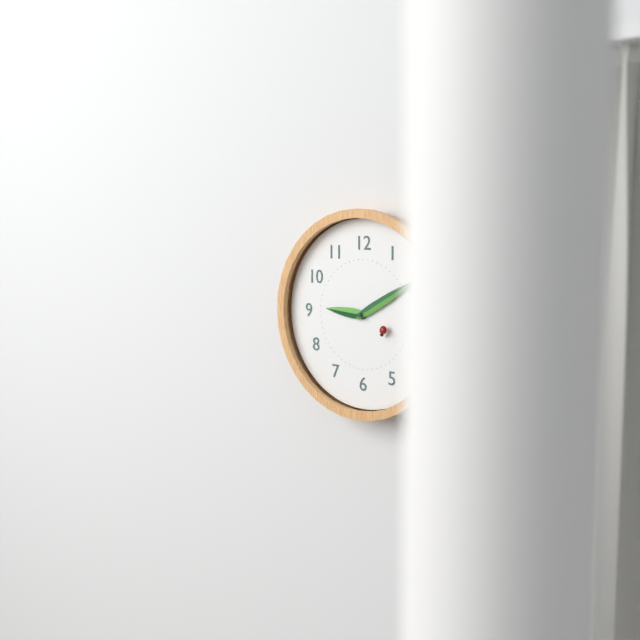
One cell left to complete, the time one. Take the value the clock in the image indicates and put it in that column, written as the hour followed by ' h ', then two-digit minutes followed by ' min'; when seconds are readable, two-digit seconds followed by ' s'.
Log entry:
9 h 10 min
